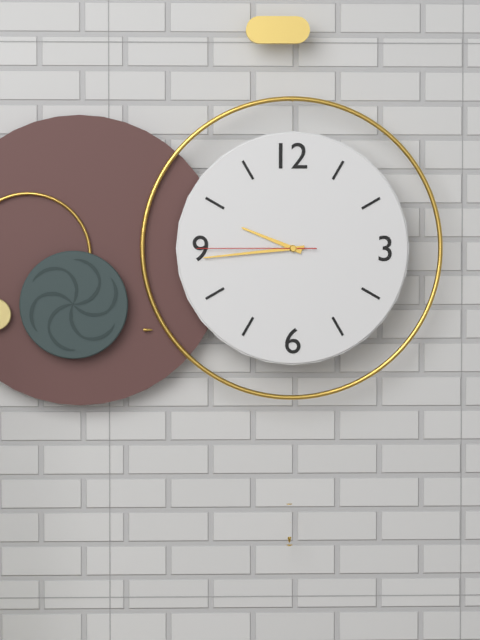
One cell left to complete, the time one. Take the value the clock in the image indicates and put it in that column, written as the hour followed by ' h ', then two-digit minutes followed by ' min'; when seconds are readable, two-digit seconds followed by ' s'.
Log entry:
9 h 44 min 45 s
